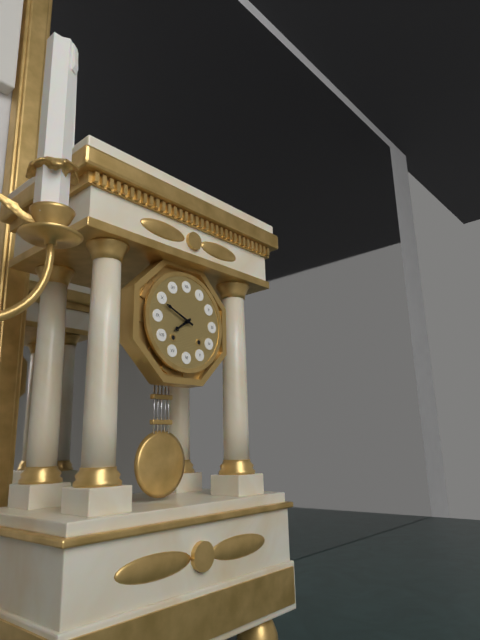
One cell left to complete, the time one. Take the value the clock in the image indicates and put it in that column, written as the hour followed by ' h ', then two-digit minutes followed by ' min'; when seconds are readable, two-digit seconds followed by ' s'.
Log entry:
7 h 49 min
